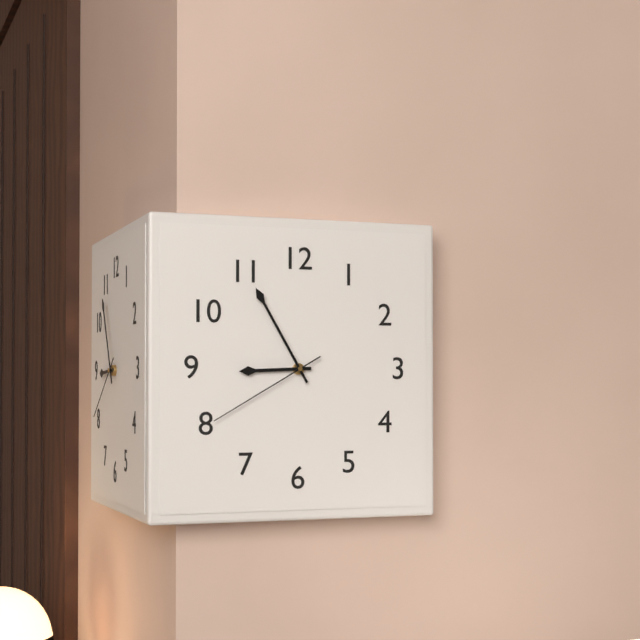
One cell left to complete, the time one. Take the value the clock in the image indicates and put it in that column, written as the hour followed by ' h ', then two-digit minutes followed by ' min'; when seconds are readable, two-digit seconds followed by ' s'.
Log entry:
8 h 55 min 40 s
